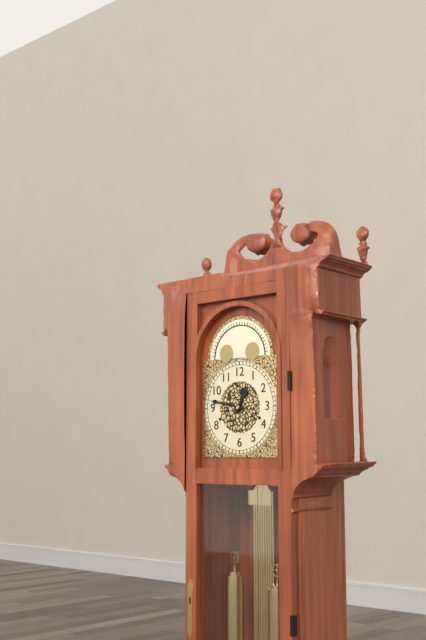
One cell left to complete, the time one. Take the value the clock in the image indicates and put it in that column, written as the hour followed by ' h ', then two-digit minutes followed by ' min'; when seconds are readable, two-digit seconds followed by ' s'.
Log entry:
12 h 47 min
